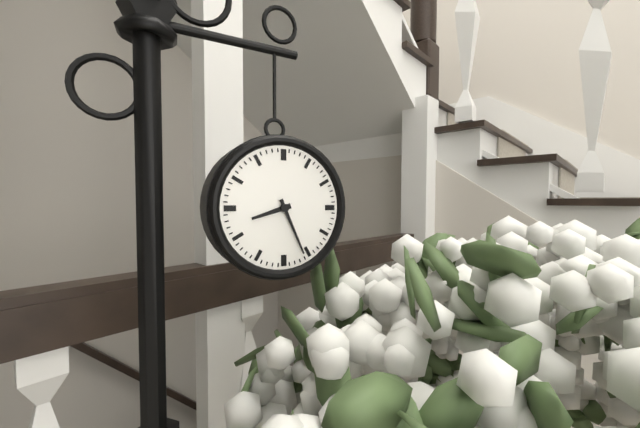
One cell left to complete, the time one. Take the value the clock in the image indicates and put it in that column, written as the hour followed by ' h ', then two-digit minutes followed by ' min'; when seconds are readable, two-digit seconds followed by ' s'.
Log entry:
8 h 26 min
